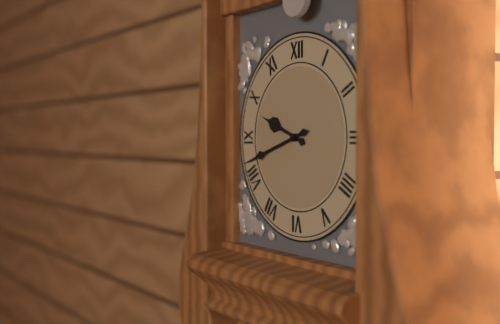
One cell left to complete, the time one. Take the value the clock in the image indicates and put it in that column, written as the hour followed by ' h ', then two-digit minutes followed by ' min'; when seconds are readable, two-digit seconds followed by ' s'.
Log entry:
9 h 42 min
